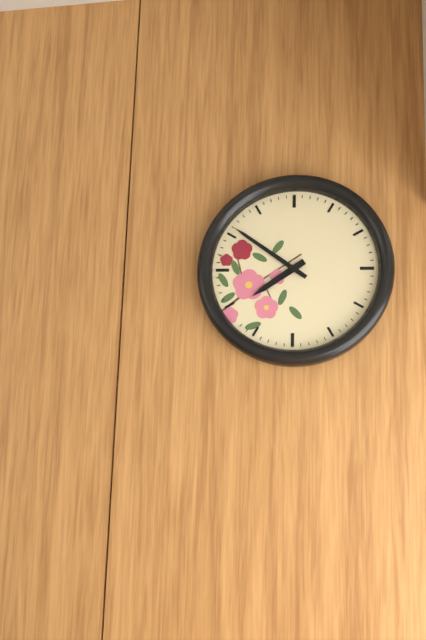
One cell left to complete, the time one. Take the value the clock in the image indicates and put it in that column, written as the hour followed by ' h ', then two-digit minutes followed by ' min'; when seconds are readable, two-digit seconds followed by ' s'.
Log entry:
7 h 51 min
